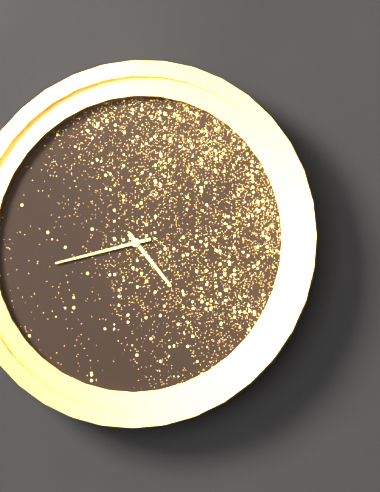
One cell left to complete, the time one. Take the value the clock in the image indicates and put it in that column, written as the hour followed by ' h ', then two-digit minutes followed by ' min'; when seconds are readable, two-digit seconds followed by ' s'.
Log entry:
4 h 43 min
